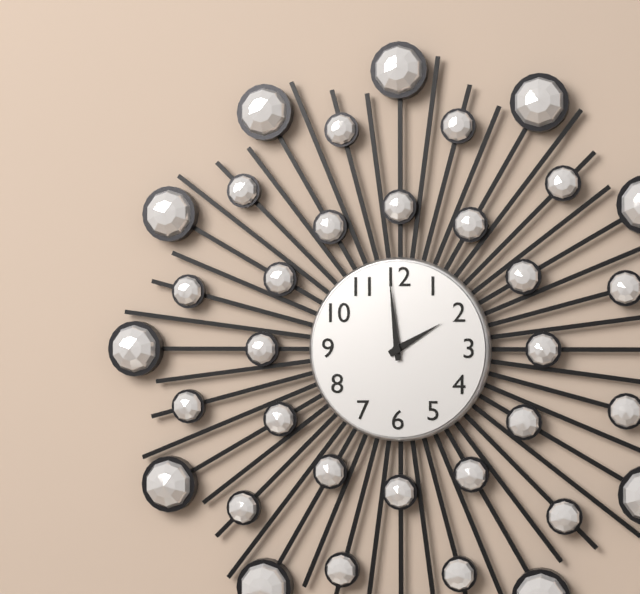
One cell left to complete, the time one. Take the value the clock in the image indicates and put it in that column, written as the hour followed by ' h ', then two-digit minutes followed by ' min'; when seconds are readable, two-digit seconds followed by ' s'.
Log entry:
1 h 59 min
